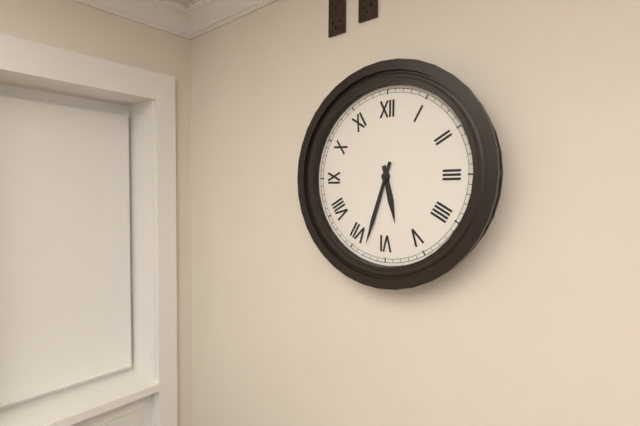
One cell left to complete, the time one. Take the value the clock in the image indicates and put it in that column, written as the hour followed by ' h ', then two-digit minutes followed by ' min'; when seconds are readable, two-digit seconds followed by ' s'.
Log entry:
5 h 33 min
